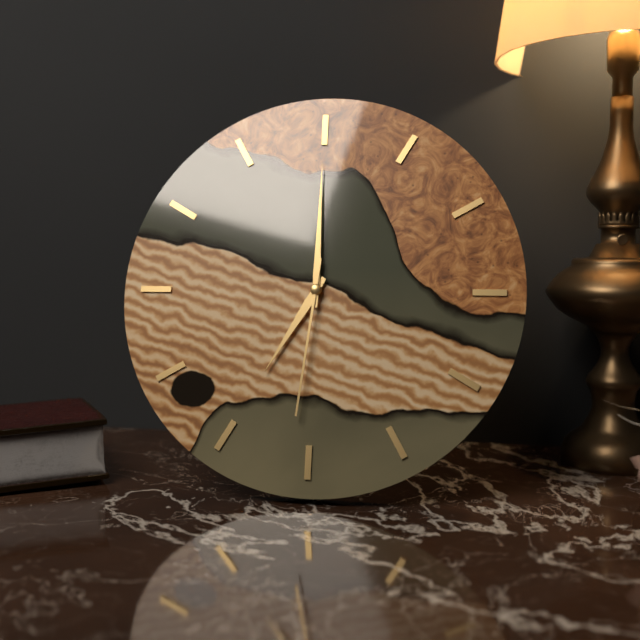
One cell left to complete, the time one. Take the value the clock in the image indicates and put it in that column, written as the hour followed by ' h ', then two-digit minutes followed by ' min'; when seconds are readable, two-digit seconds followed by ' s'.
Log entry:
7 h 00 min 31 s
